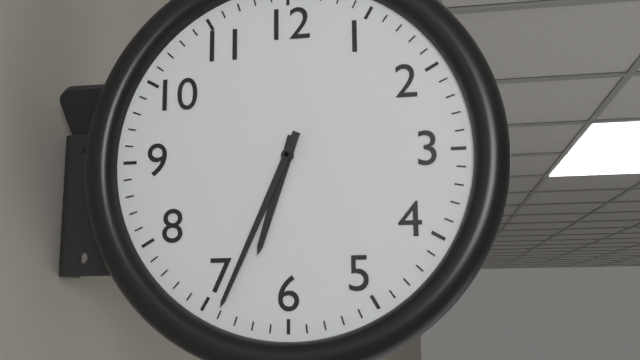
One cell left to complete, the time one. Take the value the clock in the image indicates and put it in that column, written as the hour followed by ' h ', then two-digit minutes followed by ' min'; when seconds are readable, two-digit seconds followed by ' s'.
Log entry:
6 h 34 min
